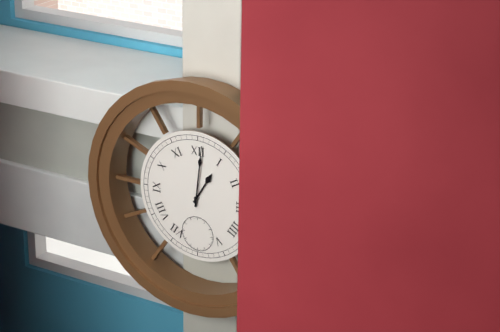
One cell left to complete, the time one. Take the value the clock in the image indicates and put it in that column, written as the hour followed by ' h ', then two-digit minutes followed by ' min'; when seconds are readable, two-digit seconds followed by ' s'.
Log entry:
1 h 01 min
